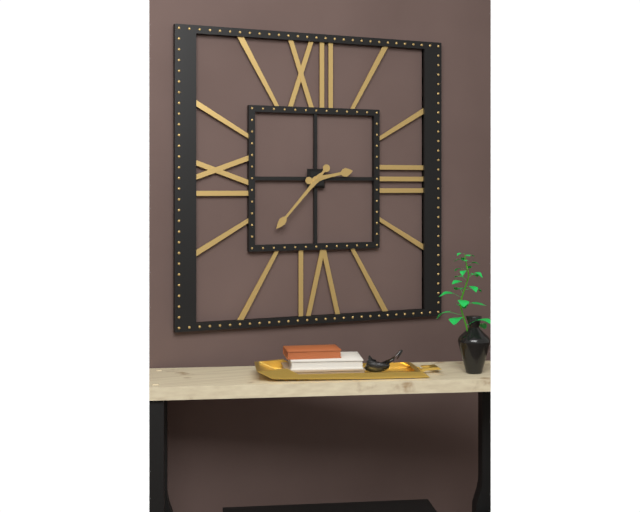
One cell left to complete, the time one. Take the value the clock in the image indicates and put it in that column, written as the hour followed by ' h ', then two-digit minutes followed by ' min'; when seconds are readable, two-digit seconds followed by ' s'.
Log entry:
2 h 37 min
